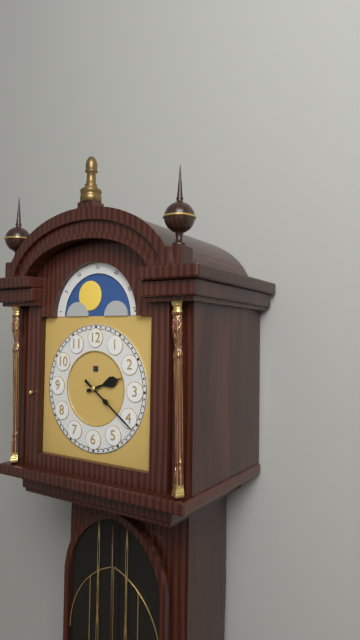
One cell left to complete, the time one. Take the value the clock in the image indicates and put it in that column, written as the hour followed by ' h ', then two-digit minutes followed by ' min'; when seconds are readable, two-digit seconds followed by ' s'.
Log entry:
2 h 21 min
